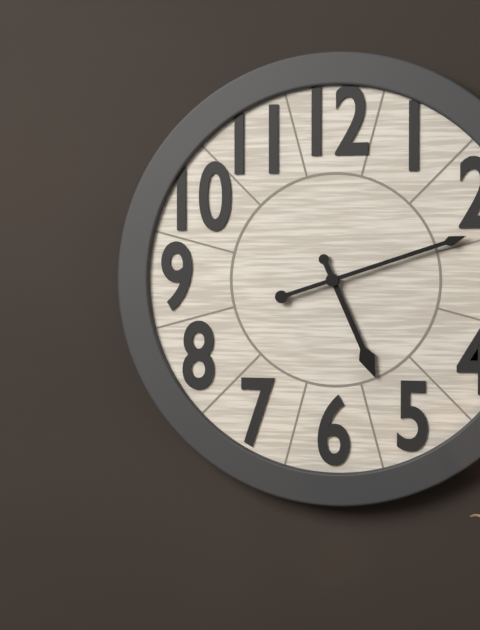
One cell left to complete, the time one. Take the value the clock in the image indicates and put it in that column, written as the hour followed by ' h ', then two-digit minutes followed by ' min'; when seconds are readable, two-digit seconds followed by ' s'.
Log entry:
5 h 12 min
